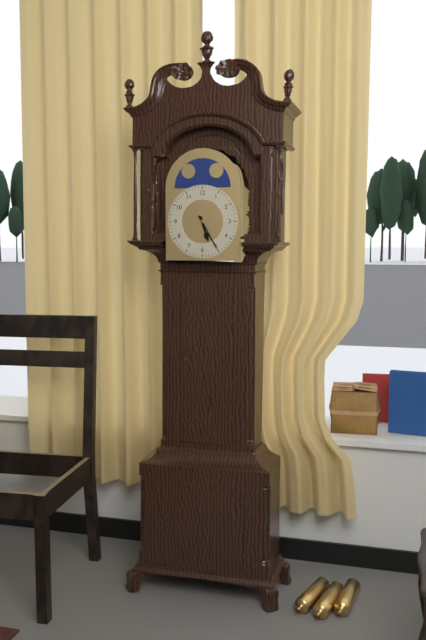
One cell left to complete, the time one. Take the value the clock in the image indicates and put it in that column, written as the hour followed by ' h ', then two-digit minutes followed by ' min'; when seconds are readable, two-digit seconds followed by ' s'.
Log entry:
5 h 25 min
